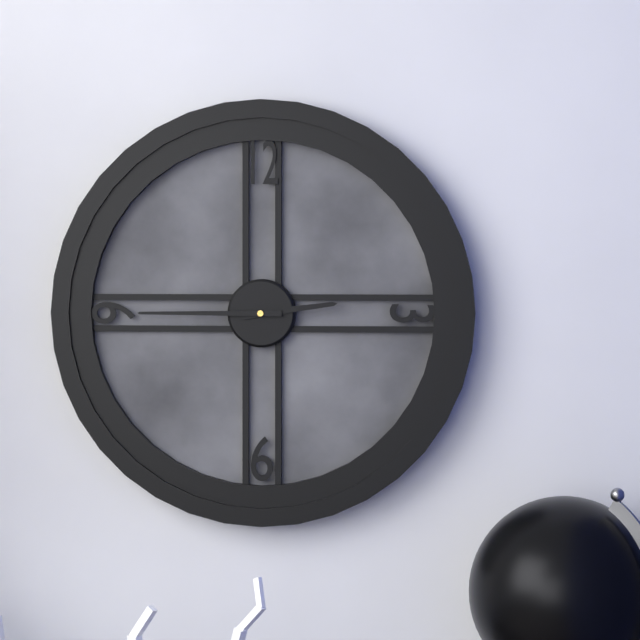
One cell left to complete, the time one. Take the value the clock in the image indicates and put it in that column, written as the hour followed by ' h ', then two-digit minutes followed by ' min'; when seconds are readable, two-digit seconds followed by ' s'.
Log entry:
2 h 45 min
